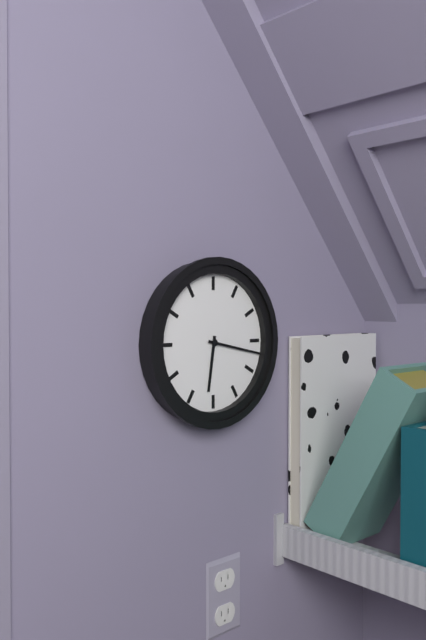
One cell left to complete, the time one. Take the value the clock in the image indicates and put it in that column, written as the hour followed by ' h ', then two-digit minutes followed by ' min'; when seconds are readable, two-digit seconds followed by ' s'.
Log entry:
6 h 17 min
